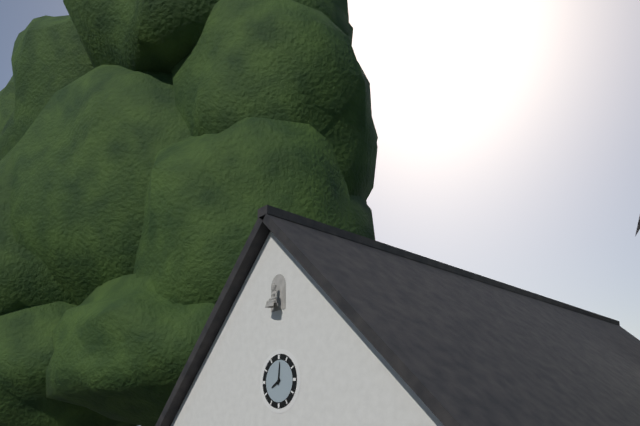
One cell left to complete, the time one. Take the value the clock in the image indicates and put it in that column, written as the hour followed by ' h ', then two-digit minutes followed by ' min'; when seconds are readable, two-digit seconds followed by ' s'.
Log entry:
8 h 01 min
